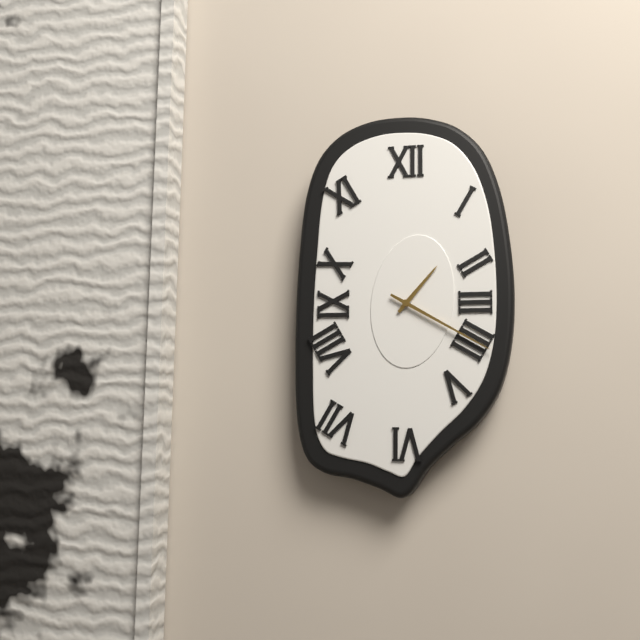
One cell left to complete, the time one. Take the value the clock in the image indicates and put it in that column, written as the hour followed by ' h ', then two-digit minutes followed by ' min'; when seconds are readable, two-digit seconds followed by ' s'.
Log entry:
1 h 20 min
